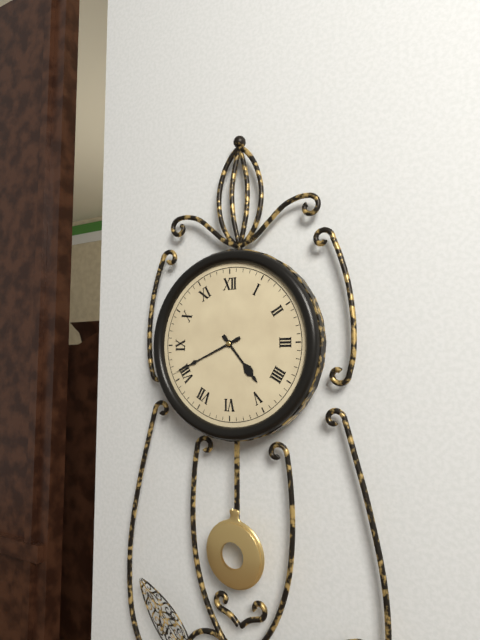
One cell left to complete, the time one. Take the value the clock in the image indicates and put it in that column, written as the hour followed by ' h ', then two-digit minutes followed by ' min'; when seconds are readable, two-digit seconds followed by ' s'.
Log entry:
4 h 41 min
